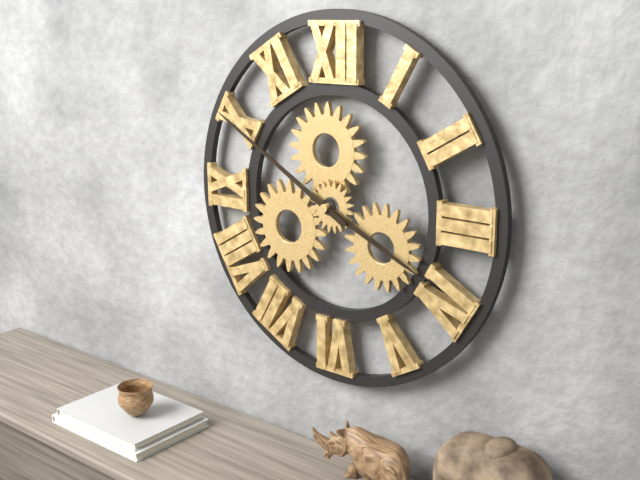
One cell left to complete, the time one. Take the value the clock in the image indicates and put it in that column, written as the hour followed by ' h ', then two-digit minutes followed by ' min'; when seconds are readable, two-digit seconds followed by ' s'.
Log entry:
3 h 50 min
